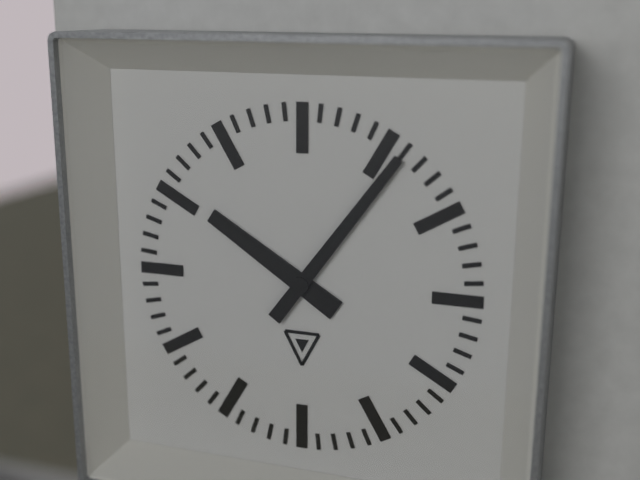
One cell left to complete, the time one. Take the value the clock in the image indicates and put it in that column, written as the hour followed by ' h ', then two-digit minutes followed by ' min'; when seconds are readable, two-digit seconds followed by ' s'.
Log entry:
10 h 06 min
